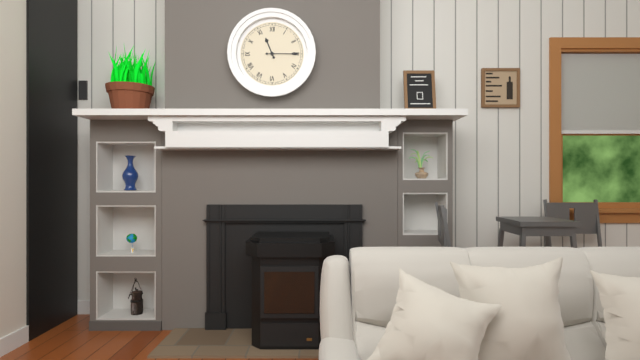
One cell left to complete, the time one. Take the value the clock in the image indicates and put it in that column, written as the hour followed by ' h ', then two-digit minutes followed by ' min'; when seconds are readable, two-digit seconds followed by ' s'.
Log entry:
11 h 15 min
